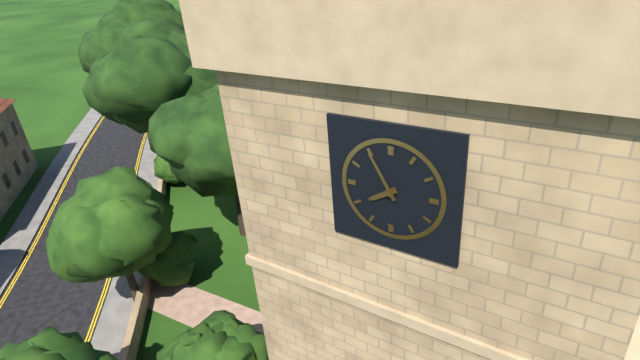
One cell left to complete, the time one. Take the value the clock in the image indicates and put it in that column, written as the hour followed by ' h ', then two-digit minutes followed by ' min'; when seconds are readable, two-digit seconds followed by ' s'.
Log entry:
7 h 55 min
